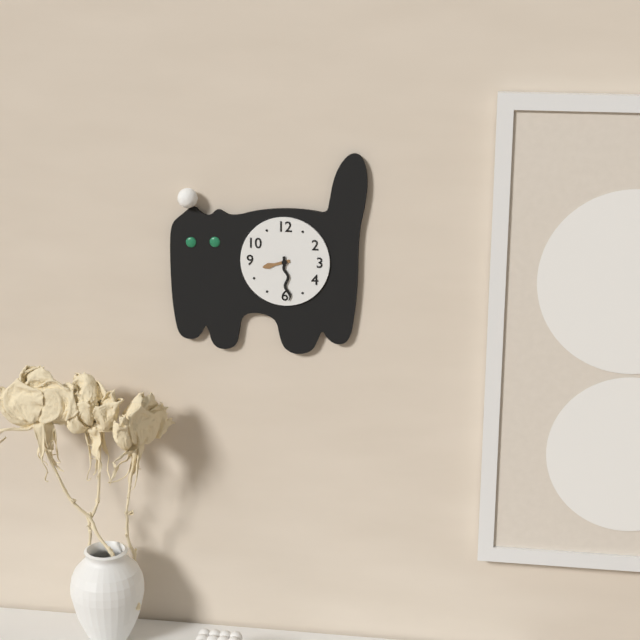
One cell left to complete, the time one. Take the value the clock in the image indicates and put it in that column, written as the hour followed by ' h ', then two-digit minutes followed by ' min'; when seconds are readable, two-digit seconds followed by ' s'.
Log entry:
8 h 29 min
